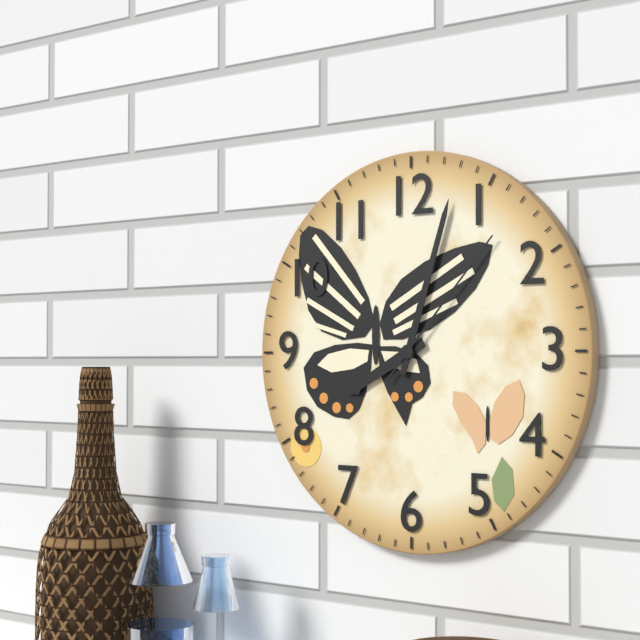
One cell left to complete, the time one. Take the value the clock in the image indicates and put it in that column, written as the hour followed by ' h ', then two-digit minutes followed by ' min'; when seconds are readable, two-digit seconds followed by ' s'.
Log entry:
8 h 03 min 07 s
